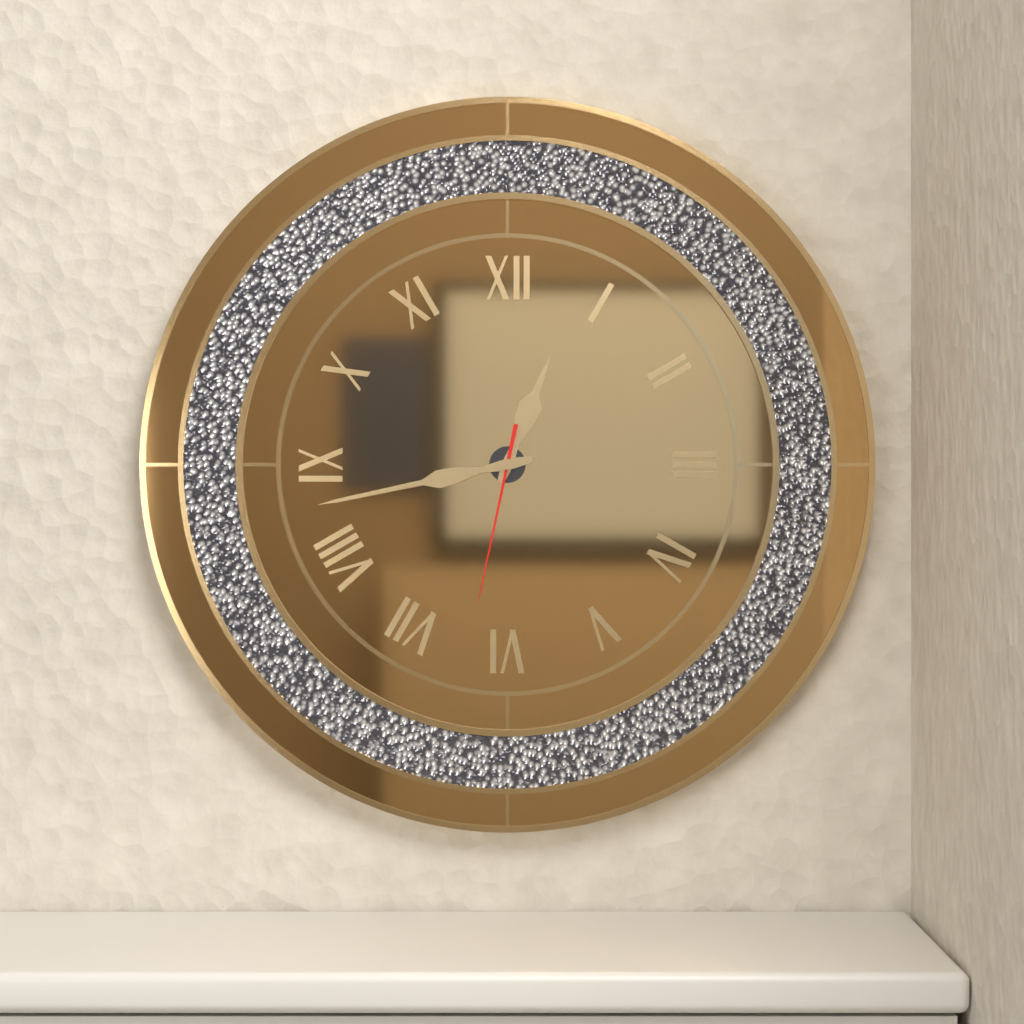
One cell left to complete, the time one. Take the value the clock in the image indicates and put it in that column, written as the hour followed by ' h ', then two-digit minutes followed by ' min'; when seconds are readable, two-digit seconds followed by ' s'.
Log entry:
12 h 43 min 32 s
